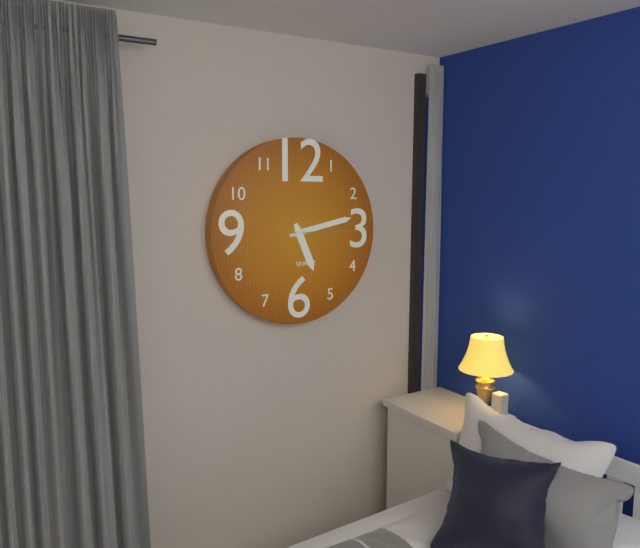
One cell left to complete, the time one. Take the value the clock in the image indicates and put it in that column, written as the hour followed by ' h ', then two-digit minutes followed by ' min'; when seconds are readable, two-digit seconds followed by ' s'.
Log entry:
5 h 13 min 15 s
